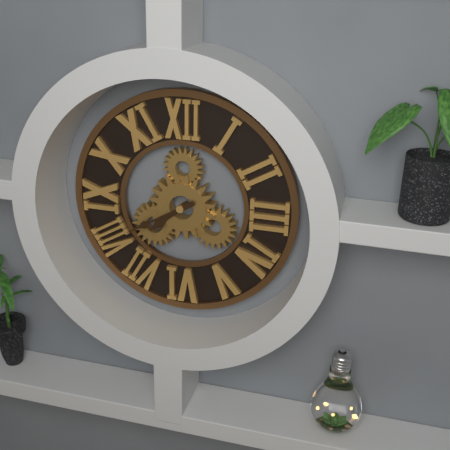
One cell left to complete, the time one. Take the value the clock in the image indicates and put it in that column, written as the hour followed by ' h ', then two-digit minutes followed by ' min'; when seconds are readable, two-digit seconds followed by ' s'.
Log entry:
7 h 40 min
